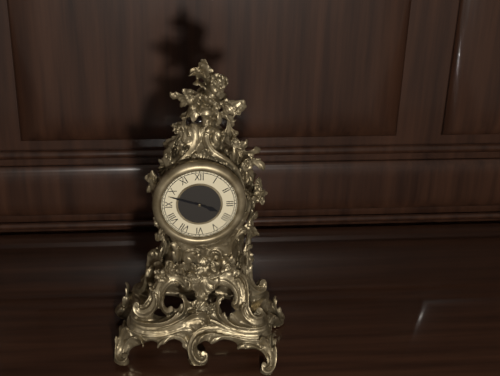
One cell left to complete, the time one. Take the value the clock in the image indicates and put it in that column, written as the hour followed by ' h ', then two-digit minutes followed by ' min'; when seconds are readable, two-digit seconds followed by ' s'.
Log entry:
3 h 48 min
